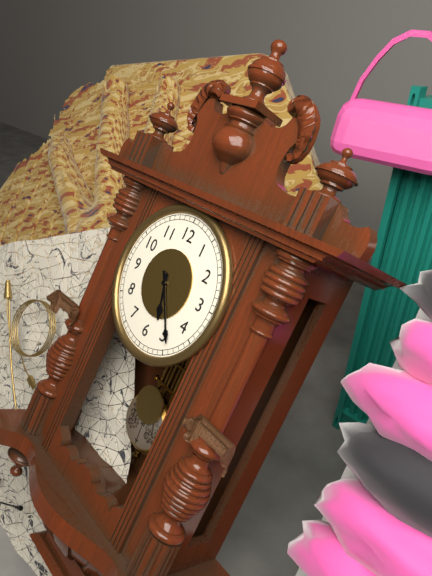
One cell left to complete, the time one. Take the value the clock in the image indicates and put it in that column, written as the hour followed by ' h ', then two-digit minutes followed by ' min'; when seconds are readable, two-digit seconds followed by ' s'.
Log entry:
5 h 24 min
